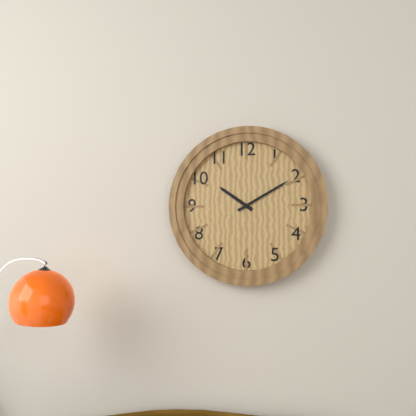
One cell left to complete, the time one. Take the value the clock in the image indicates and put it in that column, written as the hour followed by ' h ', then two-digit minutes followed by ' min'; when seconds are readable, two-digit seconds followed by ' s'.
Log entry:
10 h 10 min
